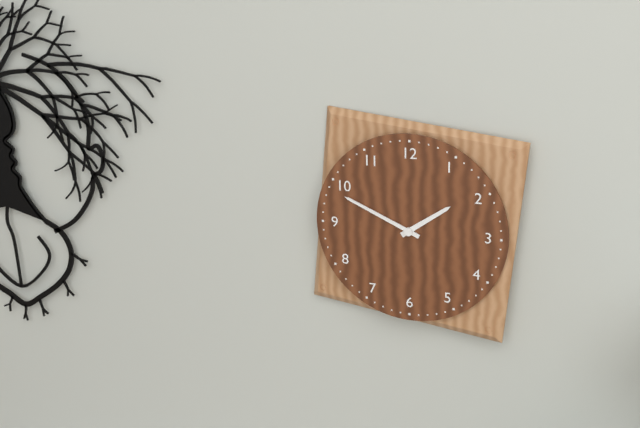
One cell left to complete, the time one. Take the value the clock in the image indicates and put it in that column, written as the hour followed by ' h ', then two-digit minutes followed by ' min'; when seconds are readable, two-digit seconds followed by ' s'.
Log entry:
1 h 49 min
